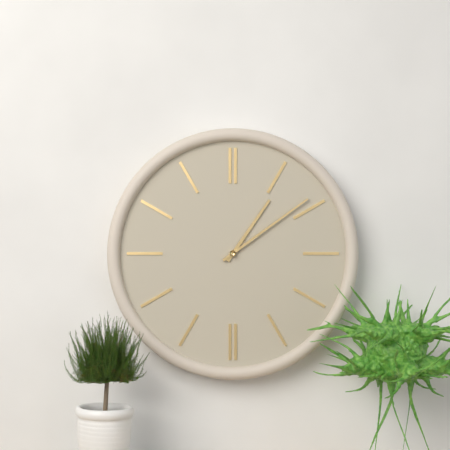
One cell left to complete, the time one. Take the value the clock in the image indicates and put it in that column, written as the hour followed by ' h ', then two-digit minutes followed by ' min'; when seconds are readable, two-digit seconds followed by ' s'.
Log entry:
1 h 09 min
